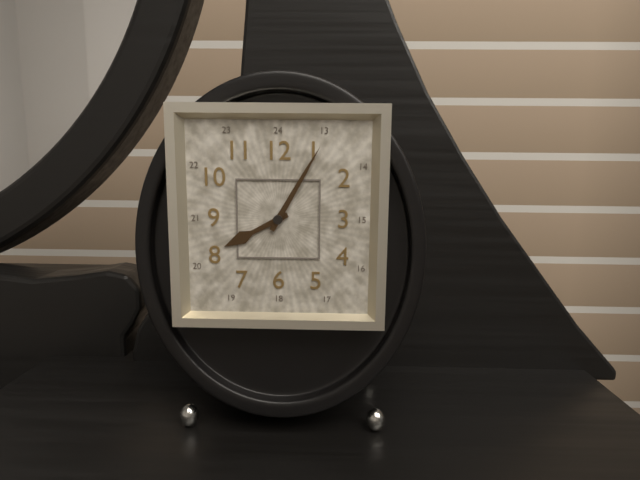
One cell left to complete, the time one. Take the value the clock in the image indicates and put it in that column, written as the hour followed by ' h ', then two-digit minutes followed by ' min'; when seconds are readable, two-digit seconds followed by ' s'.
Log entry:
8 h 05 min
